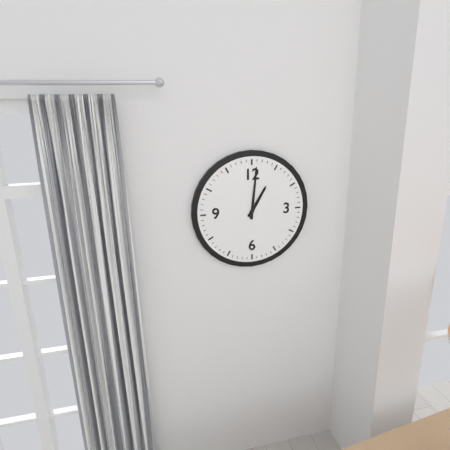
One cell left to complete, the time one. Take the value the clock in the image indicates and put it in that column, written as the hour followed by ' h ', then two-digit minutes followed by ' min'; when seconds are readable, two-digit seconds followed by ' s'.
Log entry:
1 h 01 min
